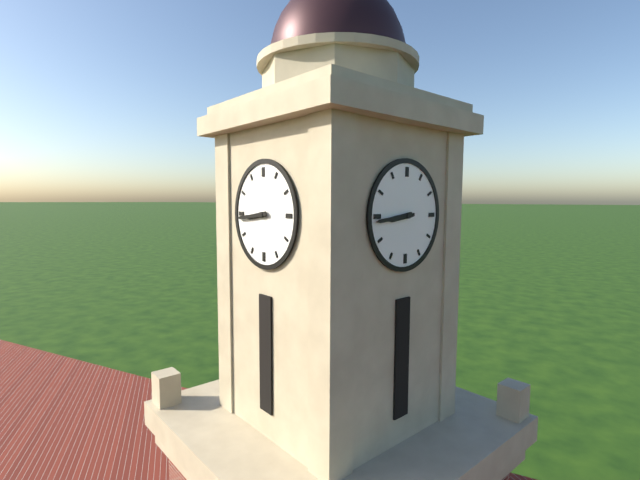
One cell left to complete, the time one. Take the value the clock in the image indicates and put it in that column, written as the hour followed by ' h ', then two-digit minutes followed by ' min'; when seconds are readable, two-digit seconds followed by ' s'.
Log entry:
8 h 44 min
